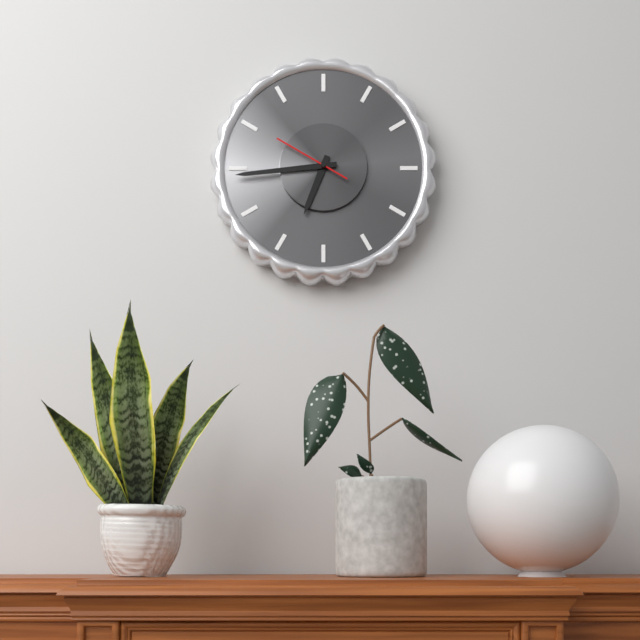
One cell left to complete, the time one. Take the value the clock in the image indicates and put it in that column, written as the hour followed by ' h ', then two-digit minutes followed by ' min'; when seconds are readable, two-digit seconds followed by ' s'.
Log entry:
6 h 44 min 50 s
